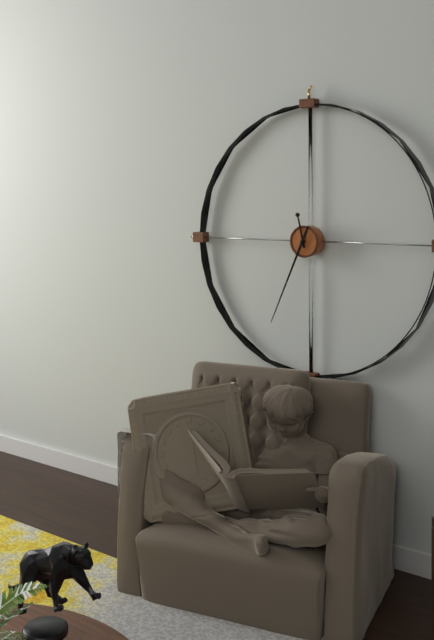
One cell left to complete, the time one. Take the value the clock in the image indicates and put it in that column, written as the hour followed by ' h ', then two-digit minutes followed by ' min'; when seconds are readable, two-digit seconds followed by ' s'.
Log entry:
11 h 34 min
